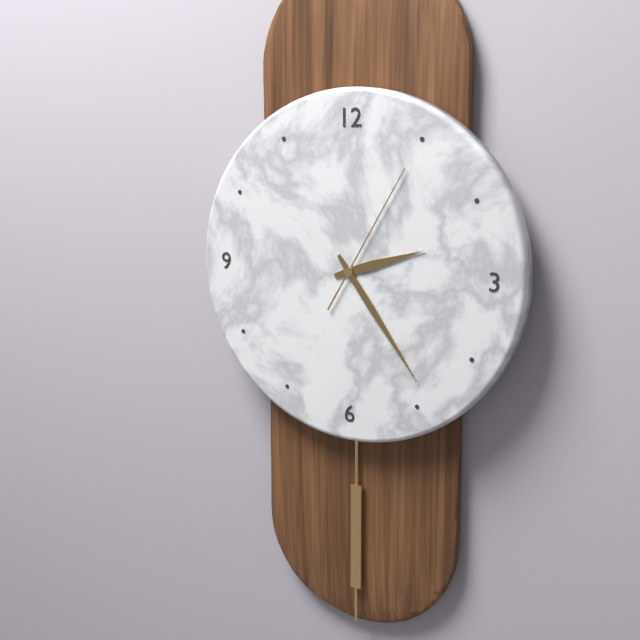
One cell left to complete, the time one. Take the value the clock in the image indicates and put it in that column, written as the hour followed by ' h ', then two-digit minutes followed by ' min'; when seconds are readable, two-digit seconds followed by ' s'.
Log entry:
2 h 24 min 05 s
